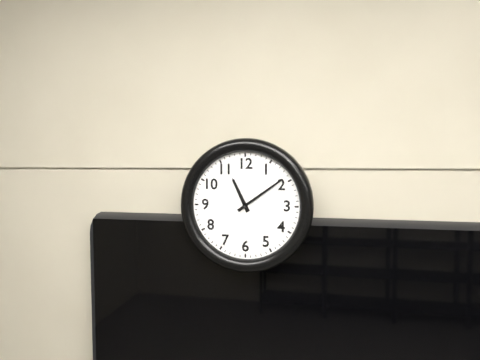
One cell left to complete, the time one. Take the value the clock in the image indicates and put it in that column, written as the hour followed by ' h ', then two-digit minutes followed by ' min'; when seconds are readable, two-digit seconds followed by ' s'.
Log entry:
11 h 09 min
